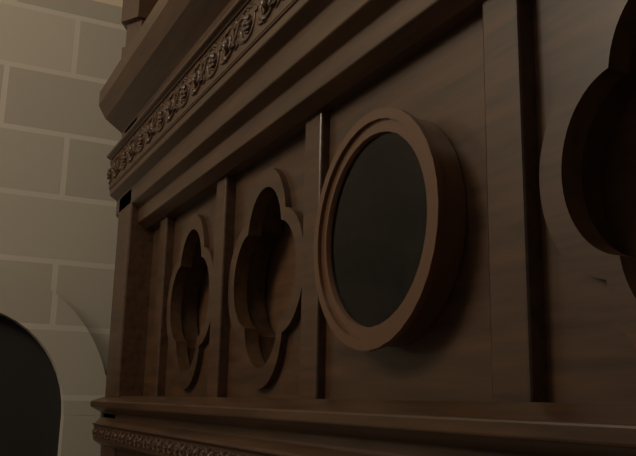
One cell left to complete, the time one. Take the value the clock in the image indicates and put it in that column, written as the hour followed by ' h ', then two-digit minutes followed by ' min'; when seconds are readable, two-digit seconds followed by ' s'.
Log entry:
12 h 57 min
